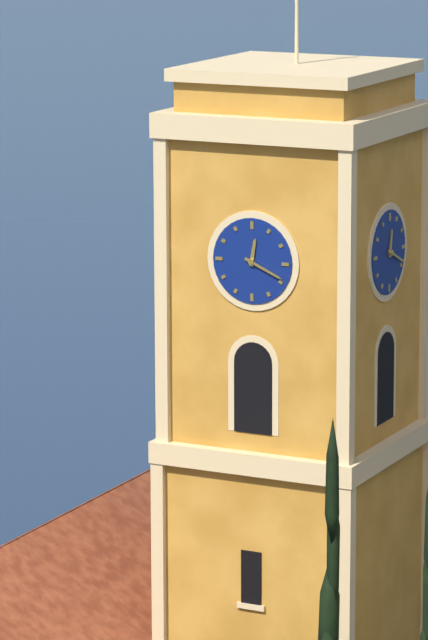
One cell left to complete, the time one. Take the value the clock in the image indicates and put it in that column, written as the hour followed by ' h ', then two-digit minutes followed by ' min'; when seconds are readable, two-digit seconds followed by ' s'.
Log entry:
12 h 19 min
